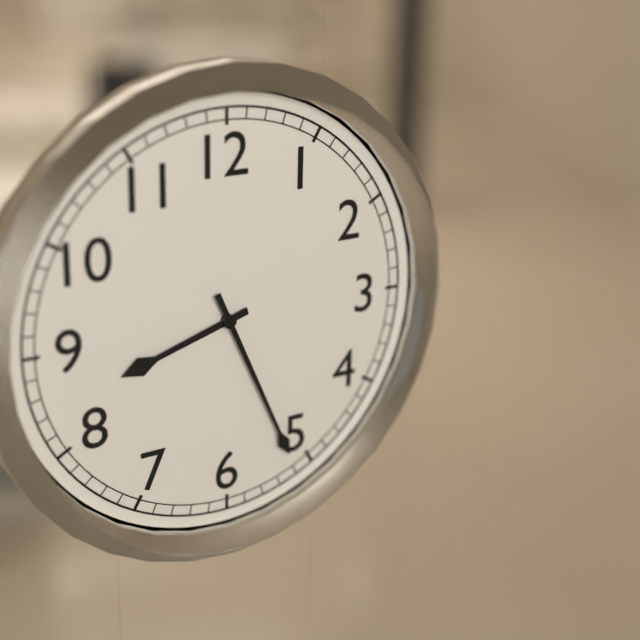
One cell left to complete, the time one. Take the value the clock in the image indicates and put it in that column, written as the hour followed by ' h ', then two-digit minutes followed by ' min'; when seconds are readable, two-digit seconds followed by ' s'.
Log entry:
8 h 26 min
